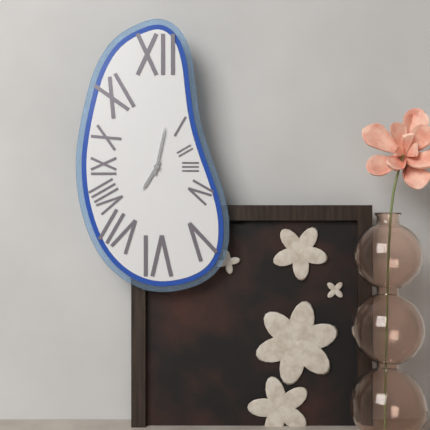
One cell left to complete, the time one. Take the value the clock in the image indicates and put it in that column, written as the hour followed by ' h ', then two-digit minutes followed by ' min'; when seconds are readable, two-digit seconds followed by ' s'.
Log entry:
7 h 02 min
